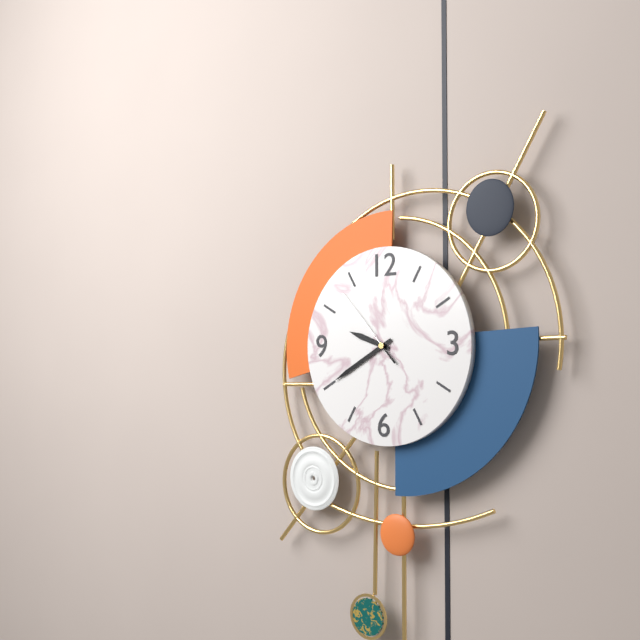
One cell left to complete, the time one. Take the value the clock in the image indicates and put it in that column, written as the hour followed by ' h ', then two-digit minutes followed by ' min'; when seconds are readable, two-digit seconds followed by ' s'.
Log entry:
9 h 40 min 53 s
